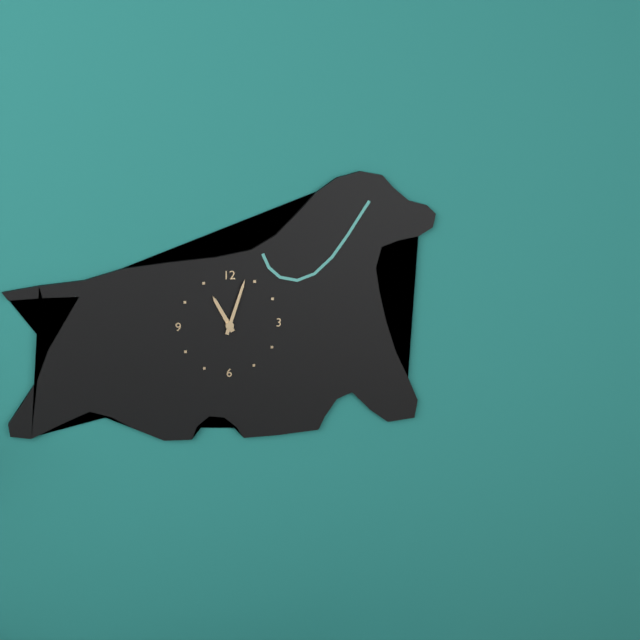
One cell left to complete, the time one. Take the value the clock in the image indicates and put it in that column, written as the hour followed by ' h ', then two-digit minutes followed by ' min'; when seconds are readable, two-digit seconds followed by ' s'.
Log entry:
11 h 03 min
